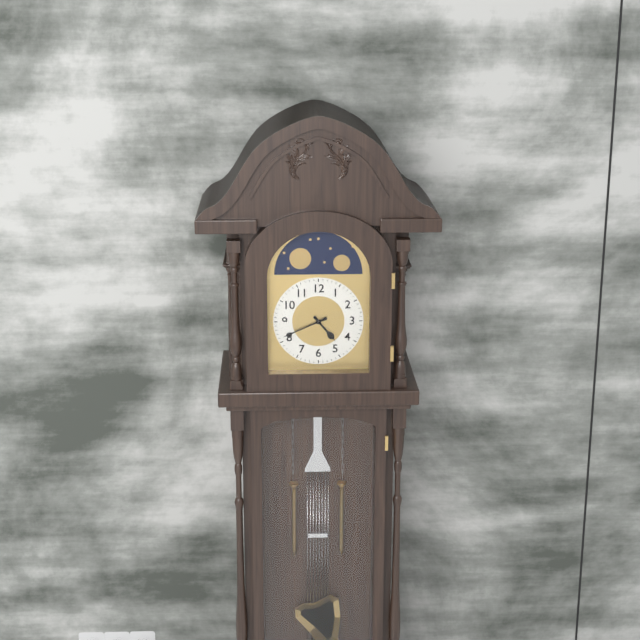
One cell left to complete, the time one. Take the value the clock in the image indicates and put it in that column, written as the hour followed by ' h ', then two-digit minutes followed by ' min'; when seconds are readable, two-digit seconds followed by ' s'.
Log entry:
4 h 41 min
